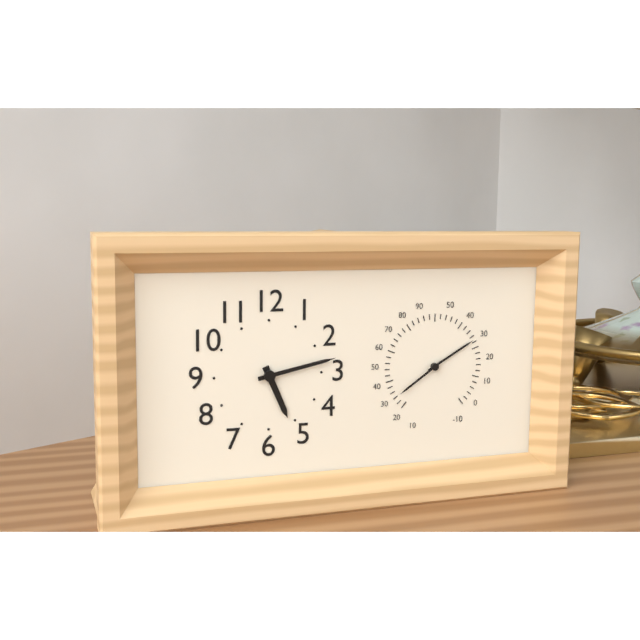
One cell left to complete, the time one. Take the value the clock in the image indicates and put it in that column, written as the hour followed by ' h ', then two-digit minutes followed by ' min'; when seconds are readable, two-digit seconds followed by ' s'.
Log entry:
5 h 13 min
